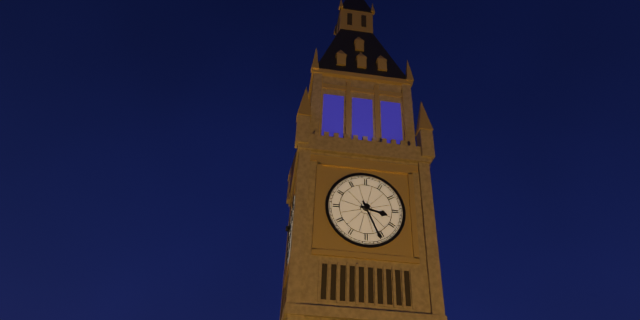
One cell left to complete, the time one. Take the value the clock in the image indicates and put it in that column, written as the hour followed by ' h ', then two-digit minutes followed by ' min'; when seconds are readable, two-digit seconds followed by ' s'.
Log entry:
3 h 26 min
